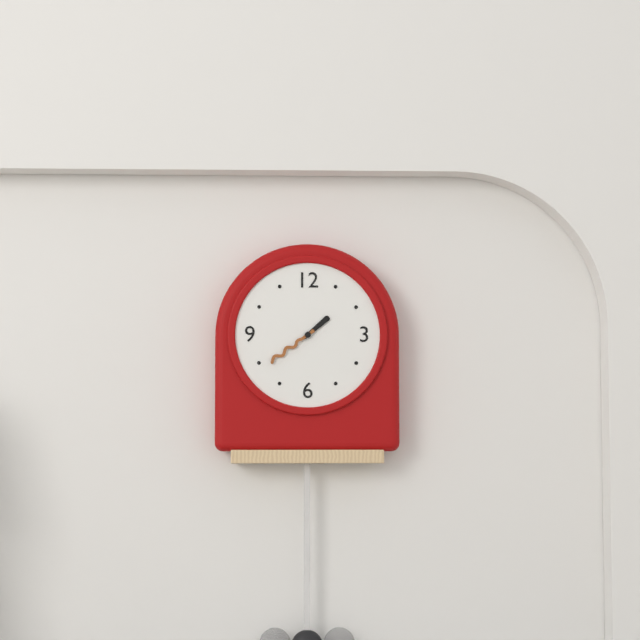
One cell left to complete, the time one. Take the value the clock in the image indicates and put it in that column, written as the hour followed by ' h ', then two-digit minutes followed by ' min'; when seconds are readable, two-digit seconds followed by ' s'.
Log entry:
1 h 39 min
